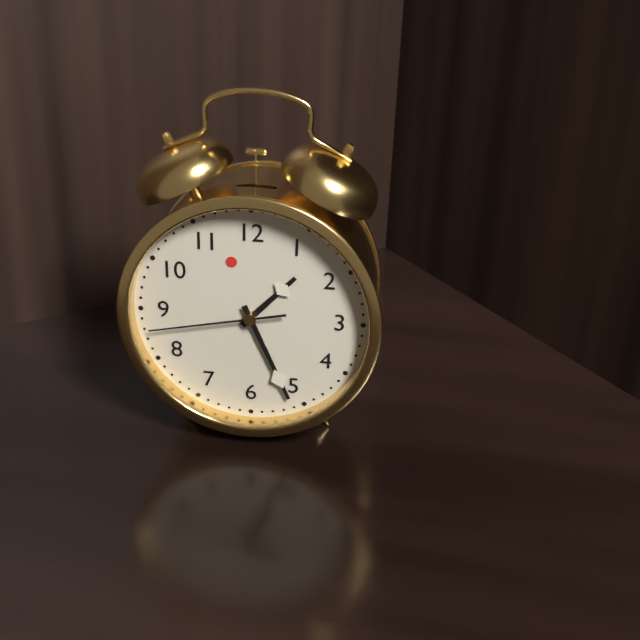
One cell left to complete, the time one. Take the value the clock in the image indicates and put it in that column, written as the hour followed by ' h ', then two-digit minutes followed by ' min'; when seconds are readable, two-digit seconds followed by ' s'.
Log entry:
1 h 26 min 43 s
